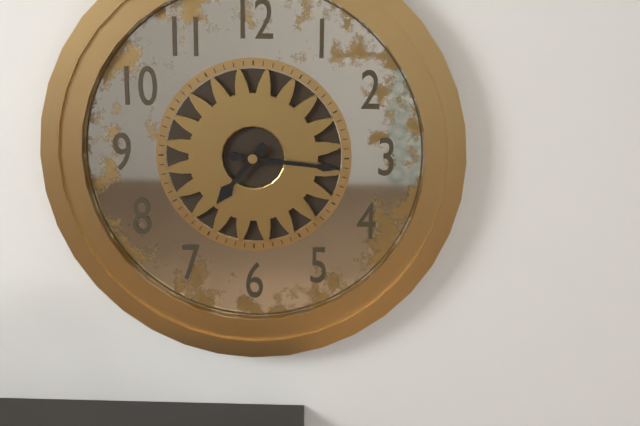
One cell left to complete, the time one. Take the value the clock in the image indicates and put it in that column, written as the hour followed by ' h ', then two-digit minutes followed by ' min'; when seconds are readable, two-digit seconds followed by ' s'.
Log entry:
7 h 16 min
